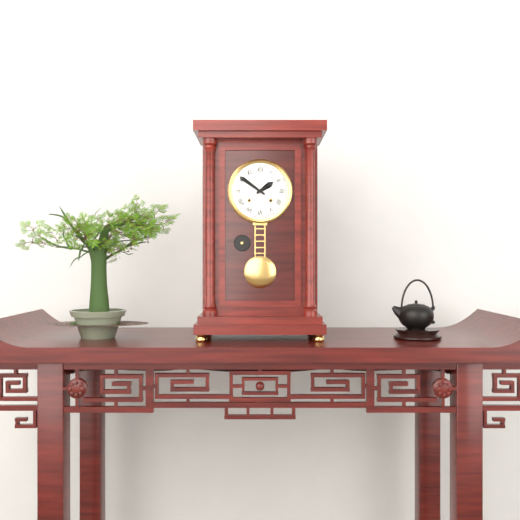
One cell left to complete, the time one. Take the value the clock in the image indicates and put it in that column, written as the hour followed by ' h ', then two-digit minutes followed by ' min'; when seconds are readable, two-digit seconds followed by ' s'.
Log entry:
1 h 51 min
